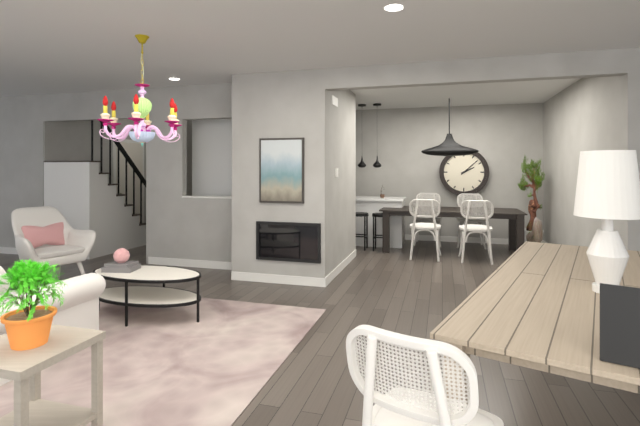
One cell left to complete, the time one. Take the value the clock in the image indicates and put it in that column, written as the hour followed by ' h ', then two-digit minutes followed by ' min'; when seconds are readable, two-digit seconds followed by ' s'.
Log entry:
2 h 08 min
